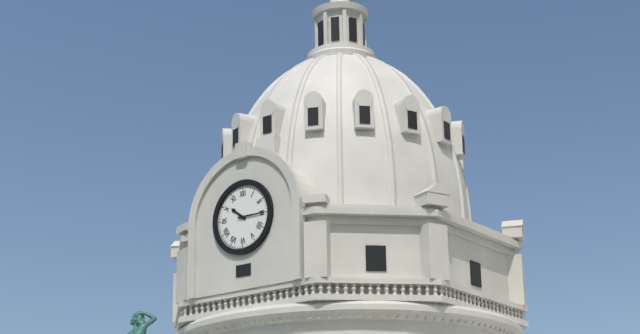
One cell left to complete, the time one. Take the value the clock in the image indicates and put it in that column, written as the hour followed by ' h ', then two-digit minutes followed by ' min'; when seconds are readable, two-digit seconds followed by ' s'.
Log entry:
10 h 15 min
